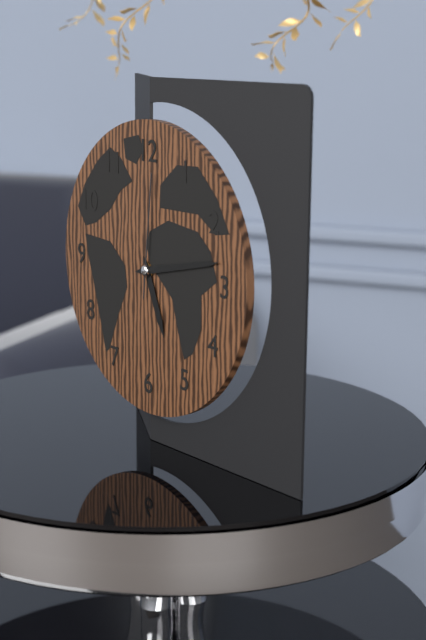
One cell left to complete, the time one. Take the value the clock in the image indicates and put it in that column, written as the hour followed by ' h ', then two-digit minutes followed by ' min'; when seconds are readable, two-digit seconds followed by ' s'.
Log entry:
5 h 13 min 01 s
